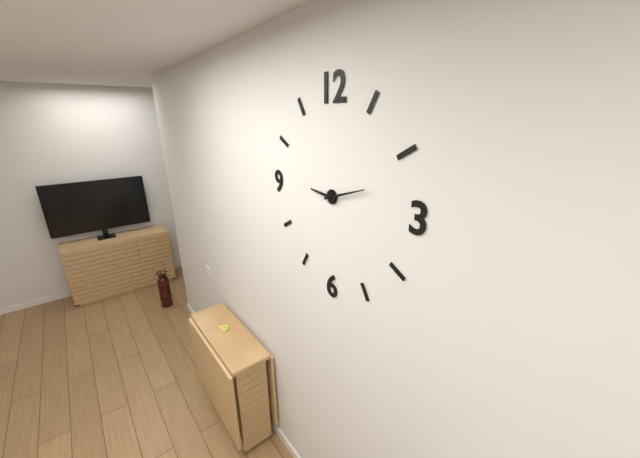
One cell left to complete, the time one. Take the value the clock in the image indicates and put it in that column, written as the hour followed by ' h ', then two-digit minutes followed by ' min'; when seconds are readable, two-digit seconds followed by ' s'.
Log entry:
9 h 12 min
